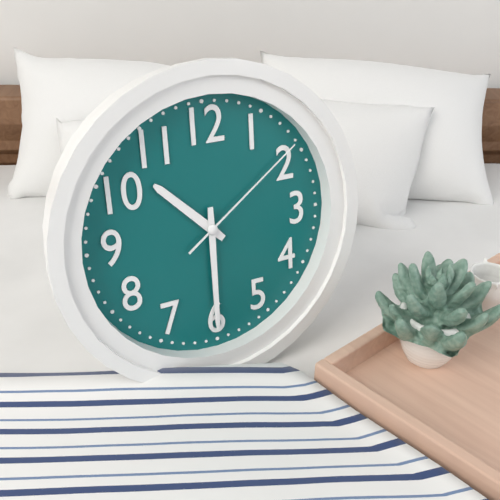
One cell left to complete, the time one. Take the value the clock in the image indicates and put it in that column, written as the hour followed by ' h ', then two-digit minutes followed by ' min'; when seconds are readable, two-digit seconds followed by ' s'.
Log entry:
10 h 30 min 09 s
